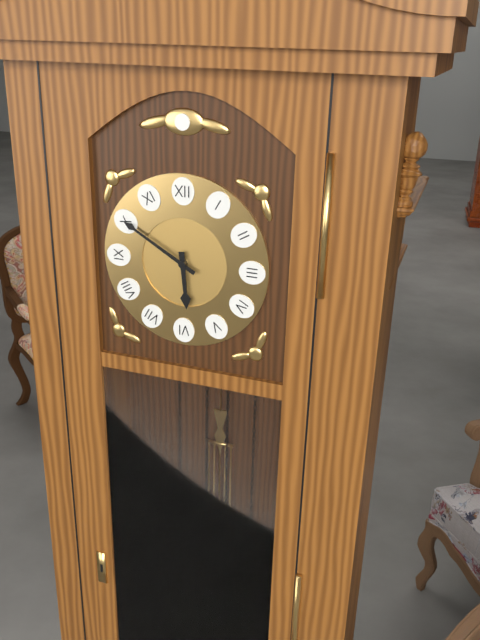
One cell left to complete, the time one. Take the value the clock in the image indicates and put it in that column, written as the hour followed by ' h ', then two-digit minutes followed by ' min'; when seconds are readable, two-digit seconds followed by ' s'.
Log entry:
5 h 50 min
